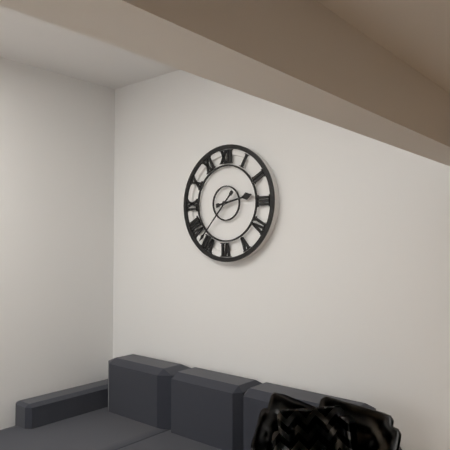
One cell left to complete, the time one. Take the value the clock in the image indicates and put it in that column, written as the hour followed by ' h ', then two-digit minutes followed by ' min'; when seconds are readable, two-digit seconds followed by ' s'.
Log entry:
2 h 37 min
